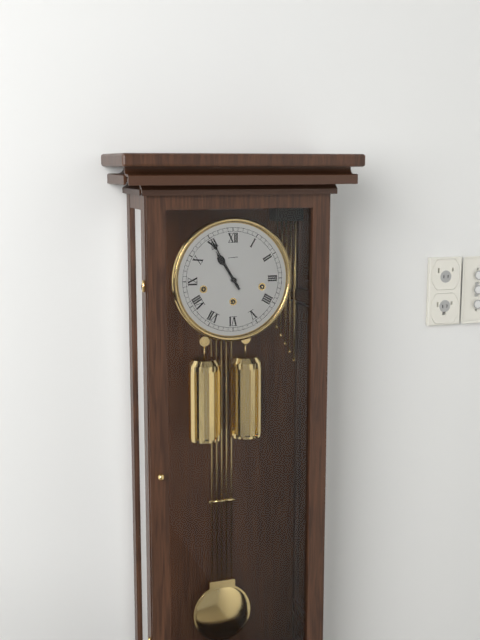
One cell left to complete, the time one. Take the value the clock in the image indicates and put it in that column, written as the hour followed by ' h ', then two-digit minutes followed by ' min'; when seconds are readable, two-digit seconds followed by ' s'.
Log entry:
10 h 55 min
